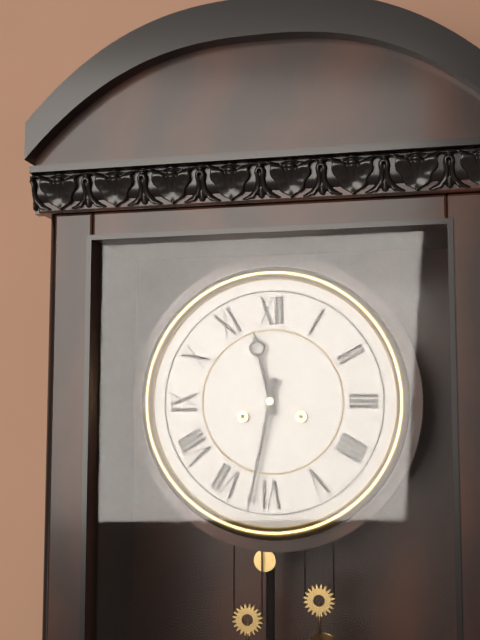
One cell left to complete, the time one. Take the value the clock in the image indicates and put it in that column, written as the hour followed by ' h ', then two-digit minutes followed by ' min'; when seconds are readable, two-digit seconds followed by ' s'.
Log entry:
11 h 32 min
